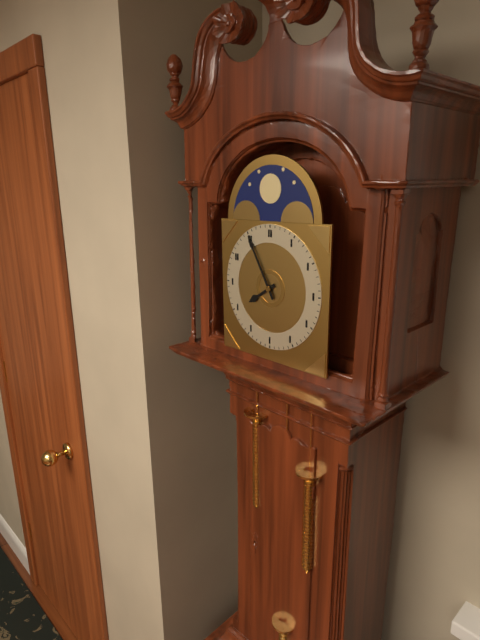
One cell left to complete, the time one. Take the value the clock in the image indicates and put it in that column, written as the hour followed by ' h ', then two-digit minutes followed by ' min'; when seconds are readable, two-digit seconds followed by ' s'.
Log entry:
7 h 55 min
